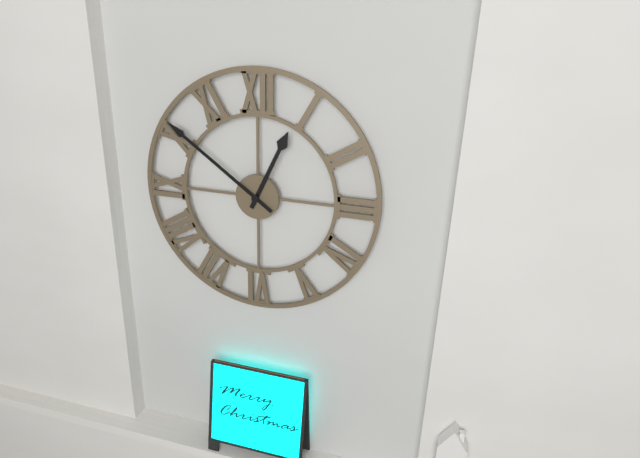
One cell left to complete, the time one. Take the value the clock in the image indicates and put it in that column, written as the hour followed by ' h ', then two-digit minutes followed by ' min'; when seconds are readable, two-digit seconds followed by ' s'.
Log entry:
12 h 51 min
